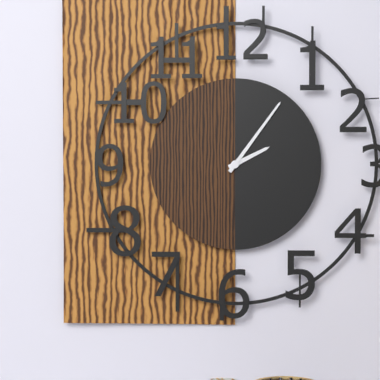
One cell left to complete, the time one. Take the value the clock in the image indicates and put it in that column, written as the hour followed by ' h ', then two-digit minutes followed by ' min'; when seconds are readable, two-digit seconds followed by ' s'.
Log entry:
2 h 06 min
